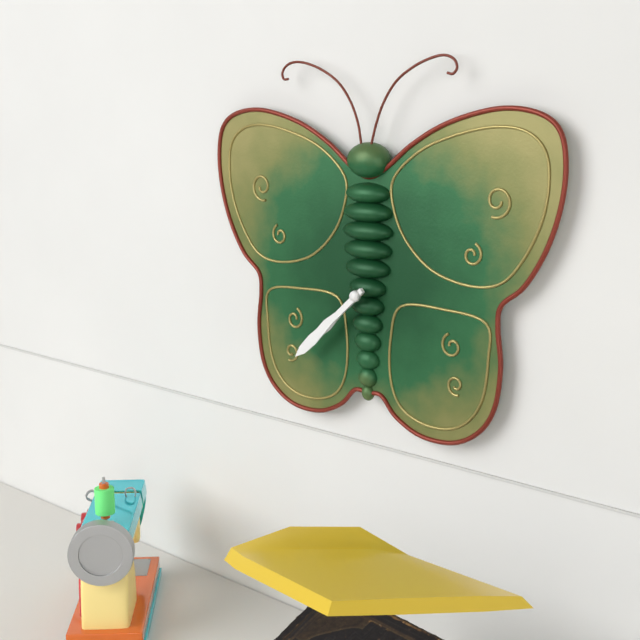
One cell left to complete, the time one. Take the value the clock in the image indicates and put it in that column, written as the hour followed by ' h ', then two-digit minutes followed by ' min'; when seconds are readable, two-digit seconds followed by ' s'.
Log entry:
7 h 38 min
